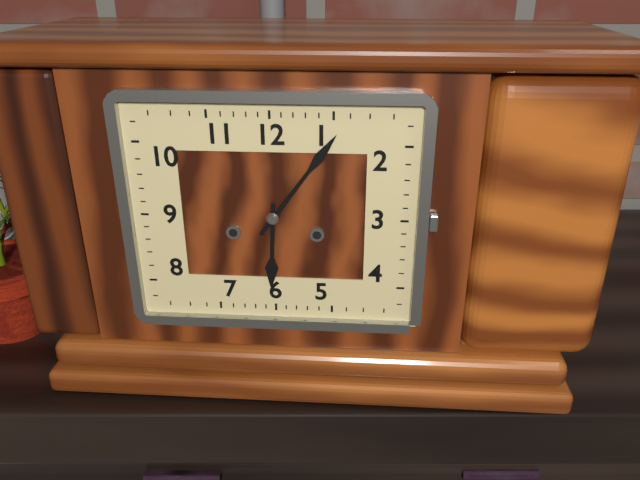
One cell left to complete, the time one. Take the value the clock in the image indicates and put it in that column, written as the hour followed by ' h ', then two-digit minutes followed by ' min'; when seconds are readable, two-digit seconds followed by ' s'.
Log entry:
6 h 06 min
